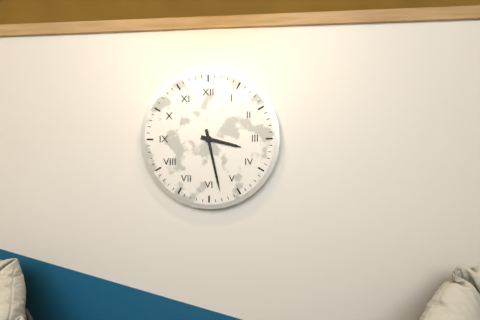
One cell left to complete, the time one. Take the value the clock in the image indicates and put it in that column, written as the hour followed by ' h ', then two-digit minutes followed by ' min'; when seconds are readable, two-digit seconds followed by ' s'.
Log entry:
3 h 28 min
